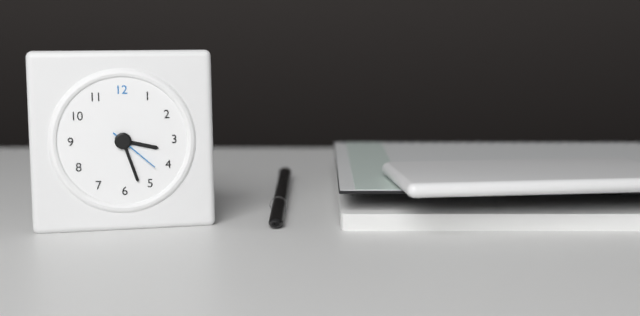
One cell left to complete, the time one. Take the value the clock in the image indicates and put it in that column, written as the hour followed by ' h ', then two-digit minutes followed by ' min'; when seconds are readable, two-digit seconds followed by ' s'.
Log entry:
3 h 27 min 22 s
